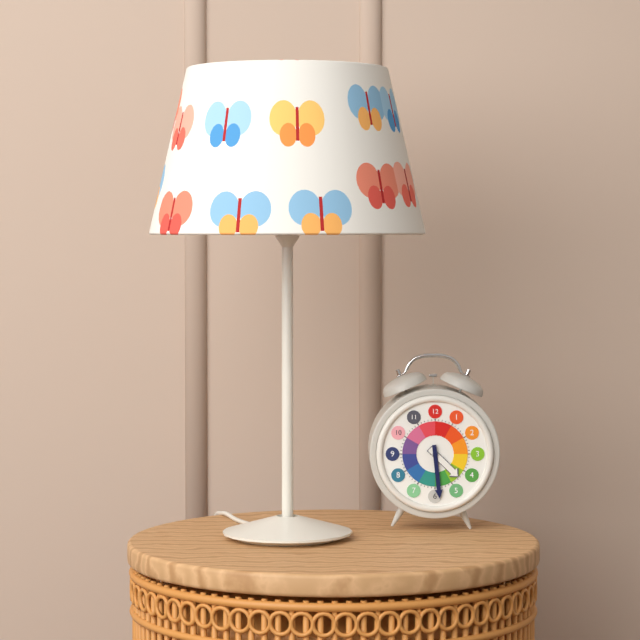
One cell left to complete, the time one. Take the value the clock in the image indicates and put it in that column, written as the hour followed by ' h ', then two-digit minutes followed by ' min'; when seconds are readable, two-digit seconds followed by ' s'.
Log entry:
4 h 29 min
